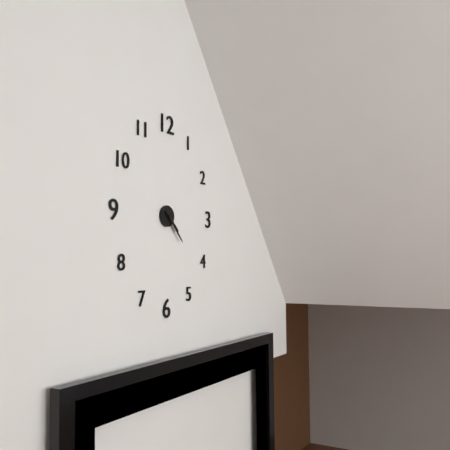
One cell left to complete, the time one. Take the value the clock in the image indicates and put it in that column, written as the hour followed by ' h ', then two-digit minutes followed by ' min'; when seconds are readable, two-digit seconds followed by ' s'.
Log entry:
4 h 23 min
